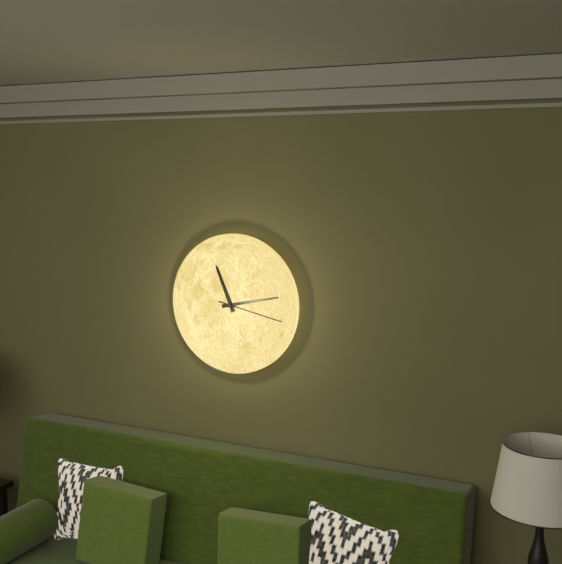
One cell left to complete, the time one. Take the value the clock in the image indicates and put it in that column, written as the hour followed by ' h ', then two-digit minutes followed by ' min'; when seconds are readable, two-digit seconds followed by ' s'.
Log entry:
11 h 13 min 17 s
